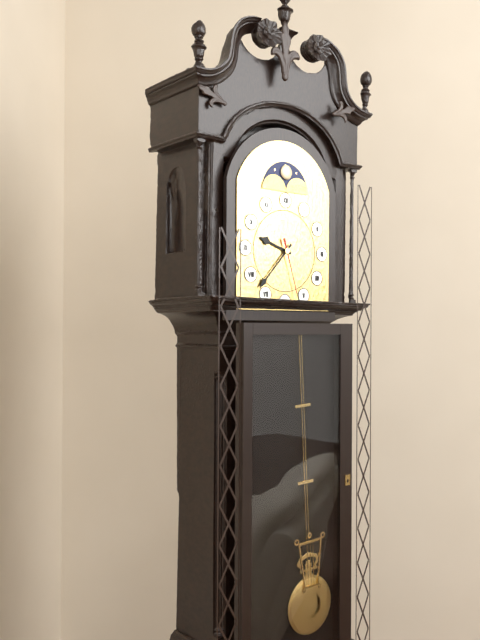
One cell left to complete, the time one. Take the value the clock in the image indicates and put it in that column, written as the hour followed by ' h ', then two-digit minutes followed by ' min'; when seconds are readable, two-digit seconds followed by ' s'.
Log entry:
9 h 37 min 27 s
